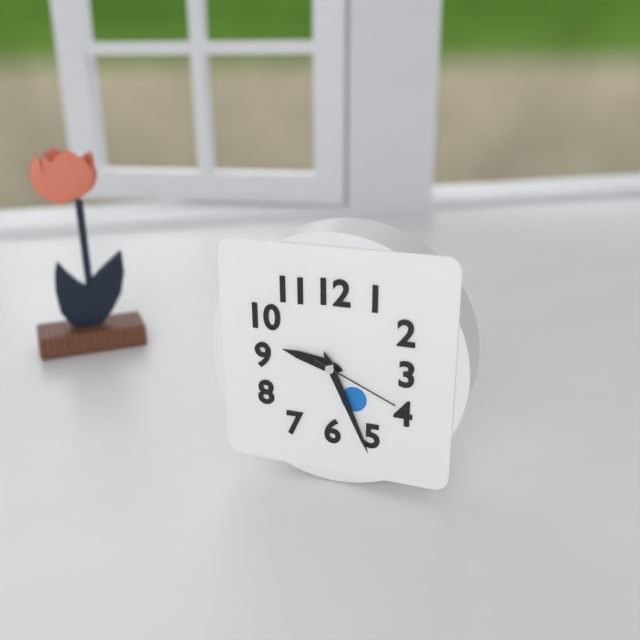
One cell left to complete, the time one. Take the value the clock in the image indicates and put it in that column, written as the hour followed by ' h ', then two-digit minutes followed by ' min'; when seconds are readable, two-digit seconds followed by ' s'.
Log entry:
9 h 26 min 19 s
